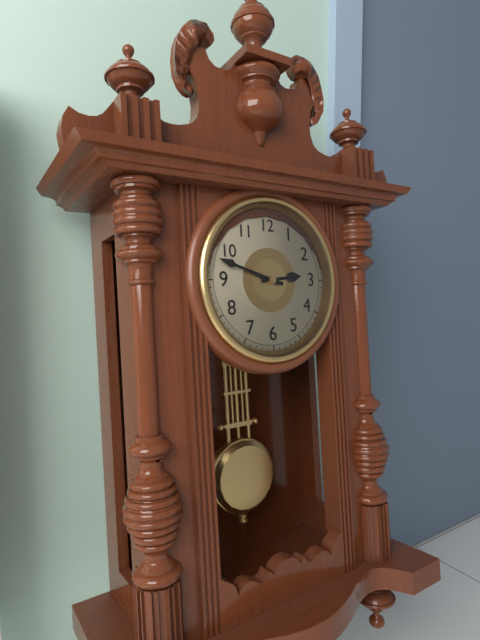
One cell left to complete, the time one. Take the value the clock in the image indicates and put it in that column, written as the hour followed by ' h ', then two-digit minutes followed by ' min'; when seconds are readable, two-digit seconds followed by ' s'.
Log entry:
2 h 48 min
